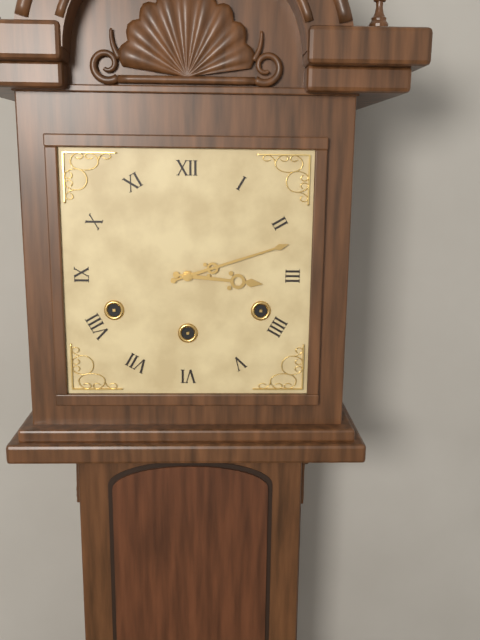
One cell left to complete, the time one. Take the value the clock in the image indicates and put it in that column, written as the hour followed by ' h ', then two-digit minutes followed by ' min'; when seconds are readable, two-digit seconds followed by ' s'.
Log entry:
3 h 12 min
